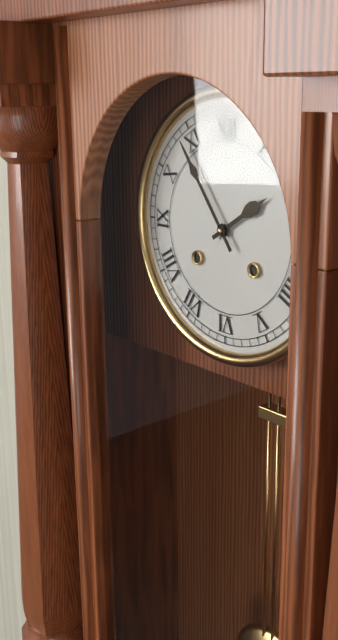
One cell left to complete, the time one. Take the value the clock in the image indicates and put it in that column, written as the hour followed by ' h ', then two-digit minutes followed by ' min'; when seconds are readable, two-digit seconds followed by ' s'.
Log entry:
1 h 54 min
